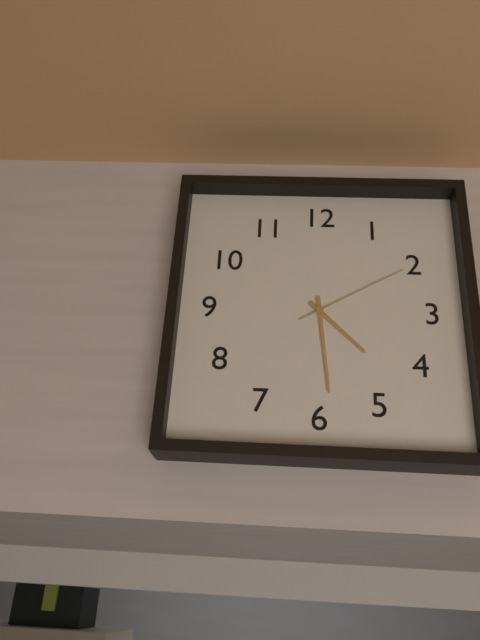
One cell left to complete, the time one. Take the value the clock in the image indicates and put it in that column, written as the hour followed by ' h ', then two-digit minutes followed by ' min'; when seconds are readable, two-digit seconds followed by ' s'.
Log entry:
4 h 29 min 10 s
